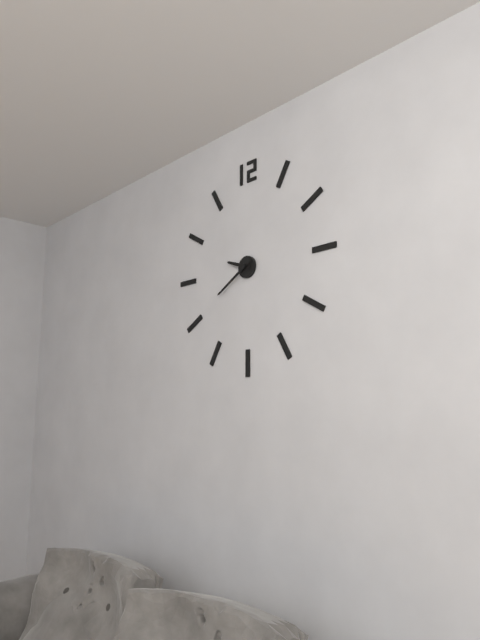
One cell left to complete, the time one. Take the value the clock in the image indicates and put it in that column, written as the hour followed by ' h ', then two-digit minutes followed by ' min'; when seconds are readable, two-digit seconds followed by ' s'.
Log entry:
9 h 40 min
